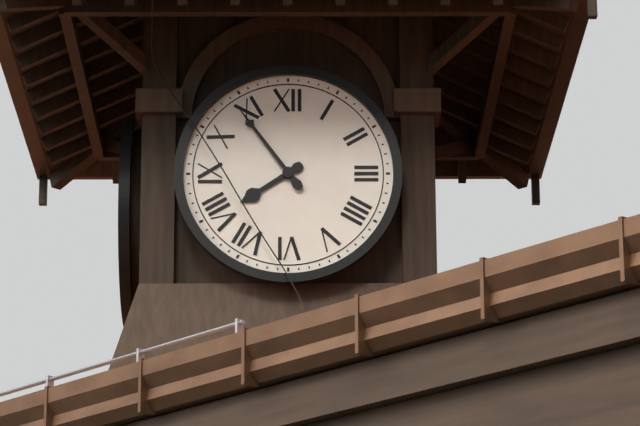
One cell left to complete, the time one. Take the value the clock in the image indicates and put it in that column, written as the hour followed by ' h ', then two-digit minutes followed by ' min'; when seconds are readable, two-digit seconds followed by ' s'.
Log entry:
7 h 54 min
